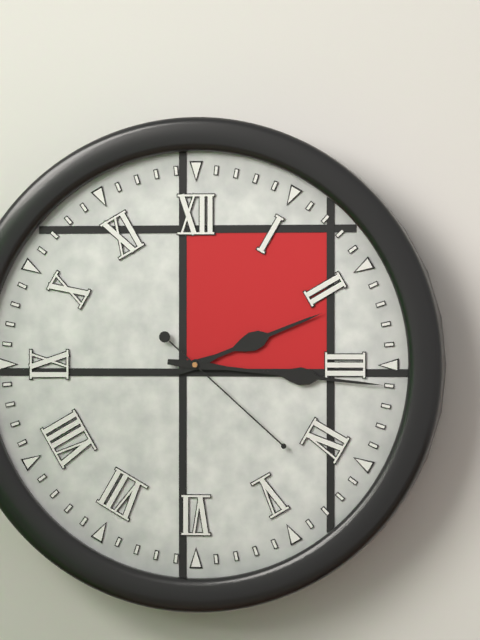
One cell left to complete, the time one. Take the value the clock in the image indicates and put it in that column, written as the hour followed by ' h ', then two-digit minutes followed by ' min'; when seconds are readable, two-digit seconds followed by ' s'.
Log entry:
2 h 16 min 22 s
